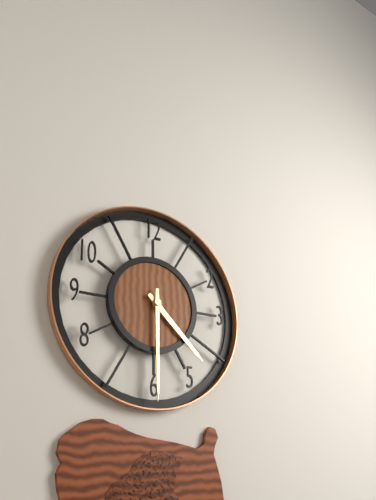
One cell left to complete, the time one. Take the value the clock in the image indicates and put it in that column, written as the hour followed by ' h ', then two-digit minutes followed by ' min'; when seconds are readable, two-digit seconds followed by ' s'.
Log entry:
4 h 30 min
